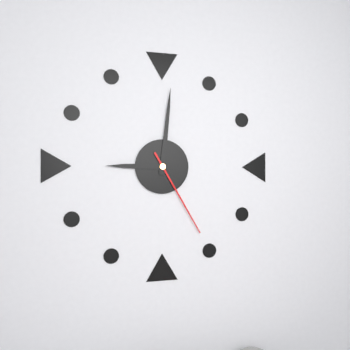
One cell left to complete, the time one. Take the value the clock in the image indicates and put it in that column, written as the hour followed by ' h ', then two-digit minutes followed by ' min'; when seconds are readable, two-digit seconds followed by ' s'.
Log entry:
9 h 01 min 25 s
